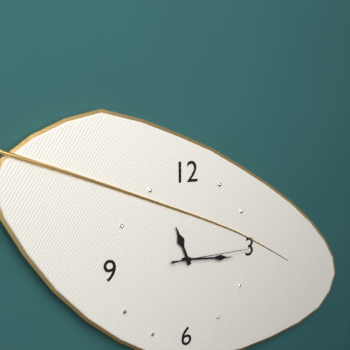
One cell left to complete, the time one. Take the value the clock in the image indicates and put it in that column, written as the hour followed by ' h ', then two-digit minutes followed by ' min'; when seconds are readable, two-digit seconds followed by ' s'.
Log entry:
11 h 16 min 15 s
